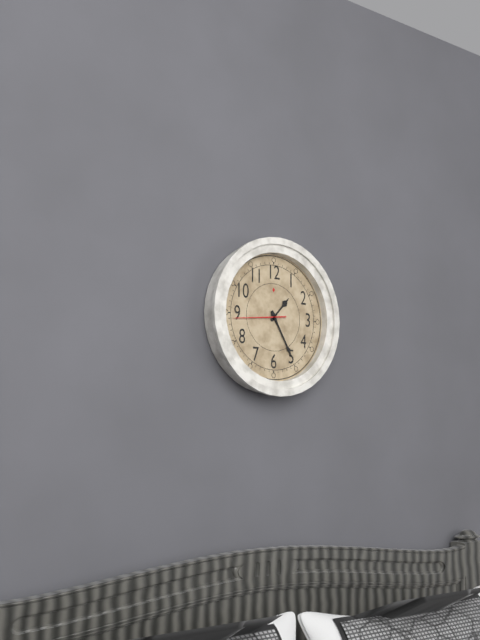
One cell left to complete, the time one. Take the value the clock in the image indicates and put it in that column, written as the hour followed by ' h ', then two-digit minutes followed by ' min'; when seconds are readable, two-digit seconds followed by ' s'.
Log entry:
1 h 25 min 44 s
